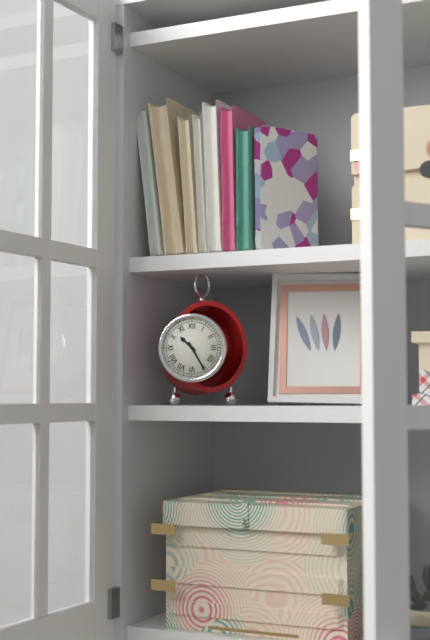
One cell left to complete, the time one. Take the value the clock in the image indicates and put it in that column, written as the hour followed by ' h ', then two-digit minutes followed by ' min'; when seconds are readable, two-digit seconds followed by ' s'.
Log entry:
10 h 25 min
